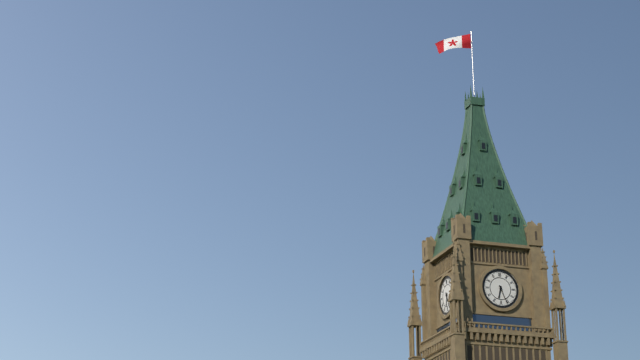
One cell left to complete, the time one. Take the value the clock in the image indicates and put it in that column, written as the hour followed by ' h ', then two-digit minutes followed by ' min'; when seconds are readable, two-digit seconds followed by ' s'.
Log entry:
6 h 26 min
